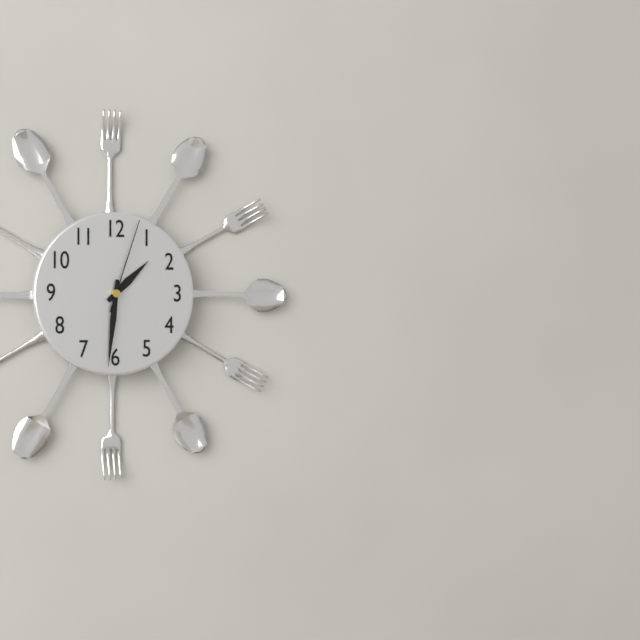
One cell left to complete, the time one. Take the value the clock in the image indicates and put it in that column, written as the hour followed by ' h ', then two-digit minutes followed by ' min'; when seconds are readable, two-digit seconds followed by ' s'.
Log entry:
1 h 31 min 03 s
